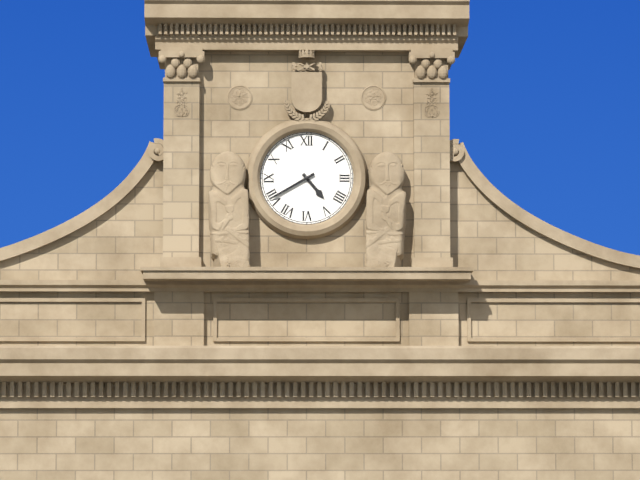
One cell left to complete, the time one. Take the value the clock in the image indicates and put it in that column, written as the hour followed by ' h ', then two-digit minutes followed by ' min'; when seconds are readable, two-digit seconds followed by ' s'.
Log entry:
4 h 40 min
